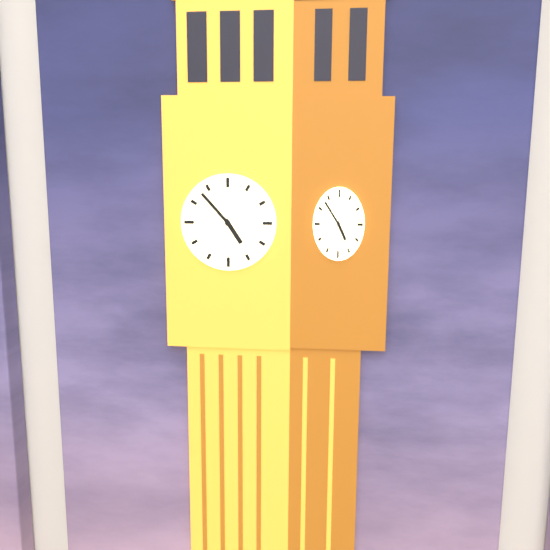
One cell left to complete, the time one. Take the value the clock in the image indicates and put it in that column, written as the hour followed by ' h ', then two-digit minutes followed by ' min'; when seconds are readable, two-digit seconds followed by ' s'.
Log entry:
4 h 53 min
